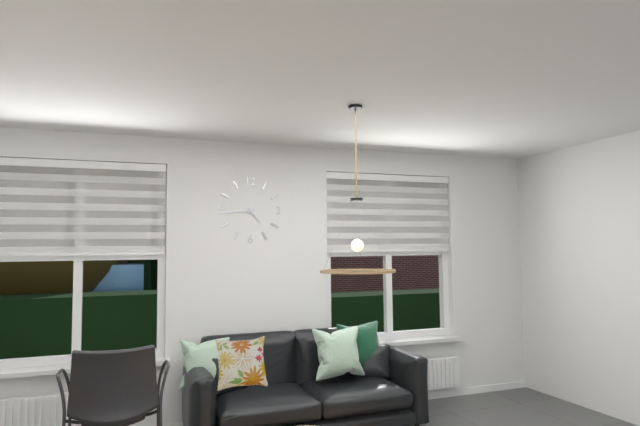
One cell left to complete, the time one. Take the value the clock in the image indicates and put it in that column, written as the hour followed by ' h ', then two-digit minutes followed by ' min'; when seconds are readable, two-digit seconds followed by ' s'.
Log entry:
4 h 44 min
